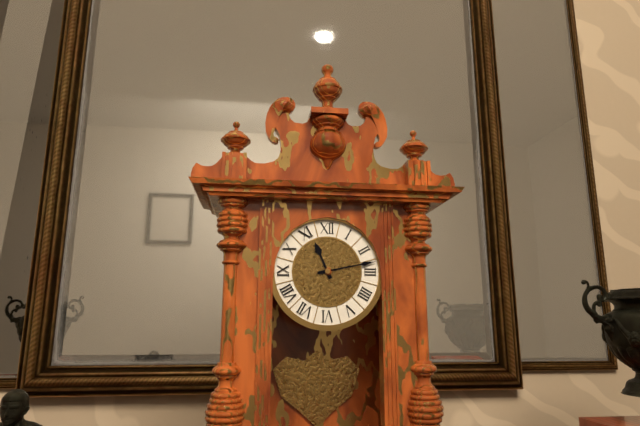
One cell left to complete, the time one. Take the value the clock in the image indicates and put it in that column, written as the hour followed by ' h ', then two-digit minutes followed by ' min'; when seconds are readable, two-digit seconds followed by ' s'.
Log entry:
11 h 13 min
